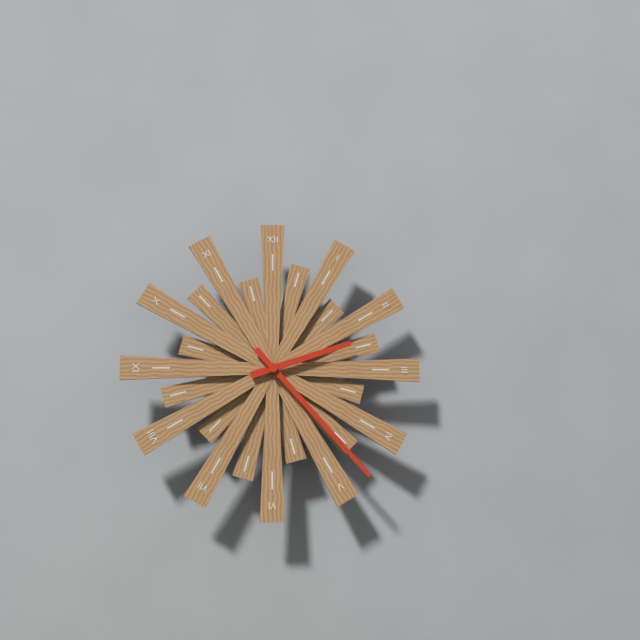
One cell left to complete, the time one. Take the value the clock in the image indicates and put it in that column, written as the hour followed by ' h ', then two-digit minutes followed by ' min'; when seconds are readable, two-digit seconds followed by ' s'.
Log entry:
2 h 23 min
